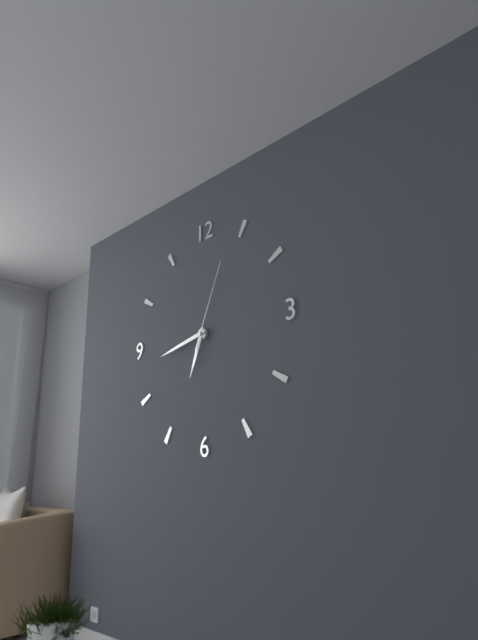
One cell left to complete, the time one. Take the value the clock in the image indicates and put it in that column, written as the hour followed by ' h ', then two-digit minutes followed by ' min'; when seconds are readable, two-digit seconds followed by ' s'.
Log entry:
6 h 43 min 04 s
